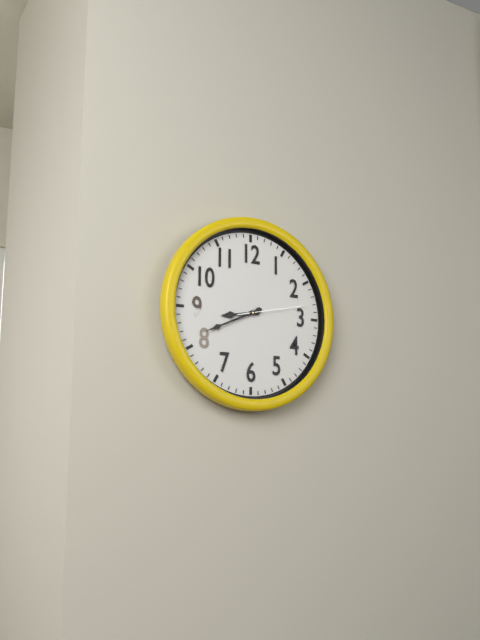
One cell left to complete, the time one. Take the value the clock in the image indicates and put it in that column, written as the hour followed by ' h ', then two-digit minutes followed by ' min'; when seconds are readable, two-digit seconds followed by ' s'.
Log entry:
8 h 41 min 13 s
